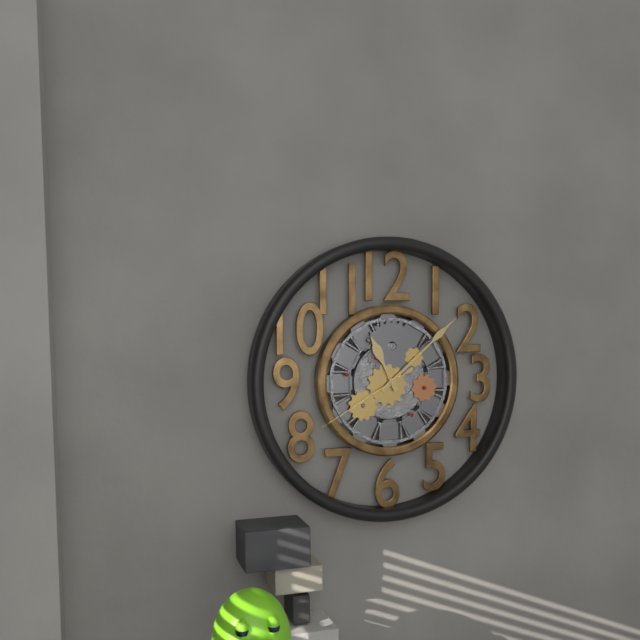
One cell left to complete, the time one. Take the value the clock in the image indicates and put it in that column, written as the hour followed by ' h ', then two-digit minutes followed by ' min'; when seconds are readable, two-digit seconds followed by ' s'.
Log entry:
11 h 08 min 40 s
